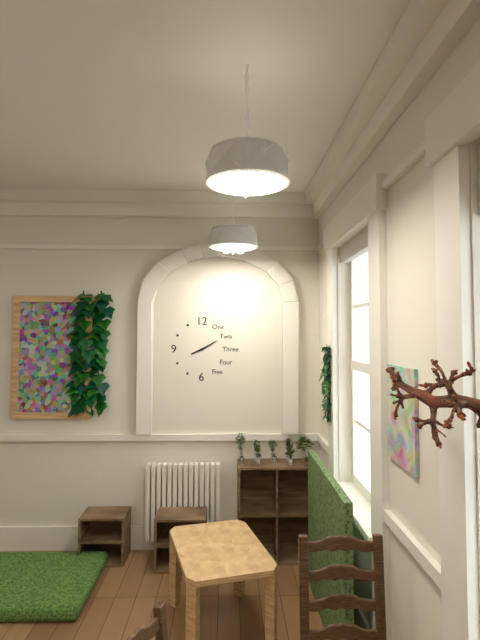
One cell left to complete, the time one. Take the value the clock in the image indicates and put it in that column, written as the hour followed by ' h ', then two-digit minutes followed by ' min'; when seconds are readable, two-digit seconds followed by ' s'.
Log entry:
8 h 10 min
